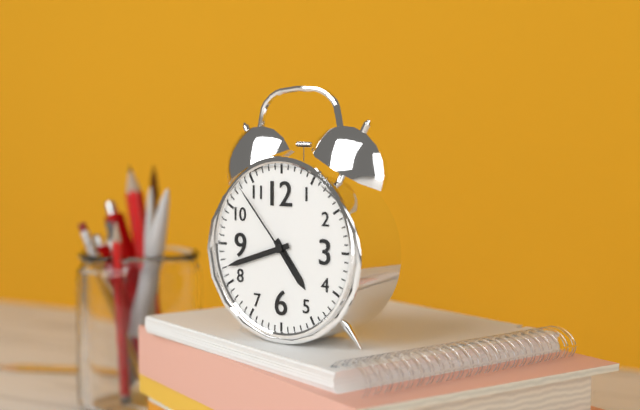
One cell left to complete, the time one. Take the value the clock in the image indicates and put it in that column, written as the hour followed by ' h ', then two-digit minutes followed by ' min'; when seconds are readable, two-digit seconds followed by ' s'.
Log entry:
4 h 42 min 53 s
